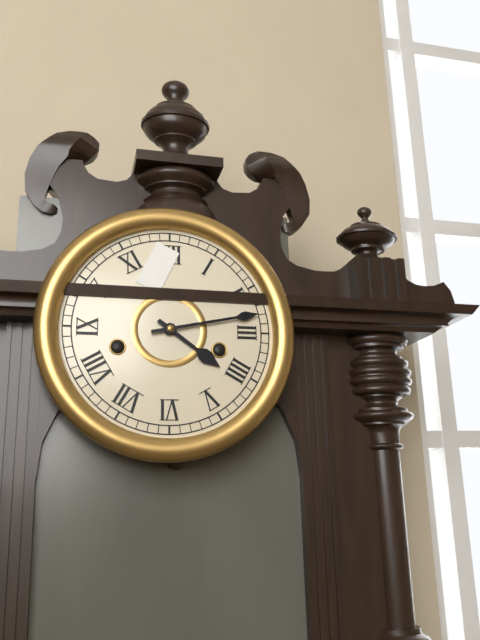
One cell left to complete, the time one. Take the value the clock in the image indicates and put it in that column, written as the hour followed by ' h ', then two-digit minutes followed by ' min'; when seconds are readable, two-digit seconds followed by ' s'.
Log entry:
4 h 13 min
